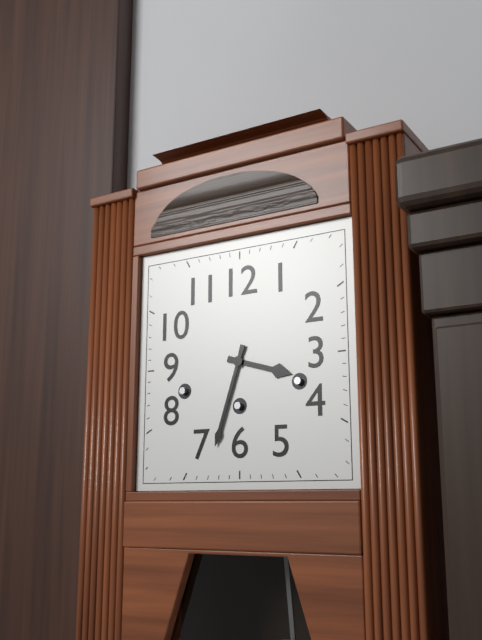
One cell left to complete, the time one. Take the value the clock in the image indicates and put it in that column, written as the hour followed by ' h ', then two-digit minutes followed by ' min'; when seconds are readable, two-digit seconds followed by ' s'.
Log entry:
3 h 33 min
